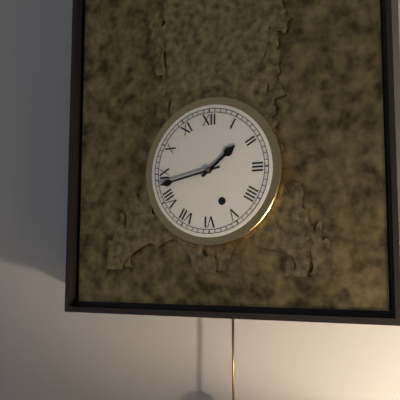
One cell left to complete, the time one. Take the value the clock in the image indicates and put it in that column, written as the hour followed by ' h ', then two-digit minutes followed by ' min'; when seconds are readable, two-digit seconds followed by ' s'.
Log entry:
1 h 43 min
